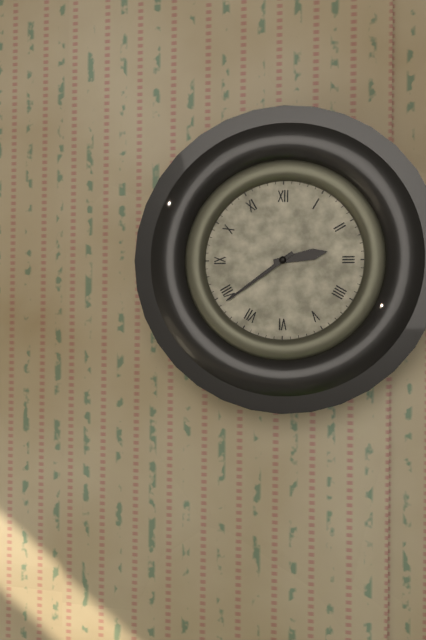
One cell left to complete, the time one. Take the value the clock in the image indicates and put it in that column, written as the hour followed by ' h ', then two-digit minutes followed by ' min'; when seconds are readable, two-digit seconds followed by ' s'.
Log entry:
2 h 39 min
